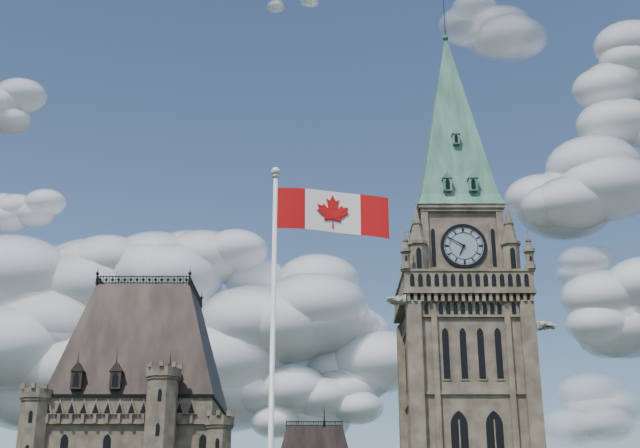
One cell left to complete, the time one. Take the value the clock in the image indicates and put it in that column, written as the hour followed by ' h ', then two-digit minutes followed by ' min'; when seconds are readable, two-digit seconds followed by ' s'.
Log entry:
6 h 50 min
